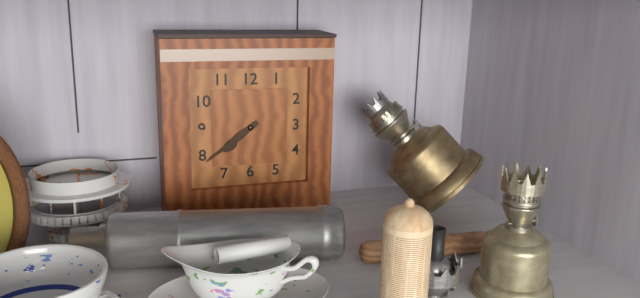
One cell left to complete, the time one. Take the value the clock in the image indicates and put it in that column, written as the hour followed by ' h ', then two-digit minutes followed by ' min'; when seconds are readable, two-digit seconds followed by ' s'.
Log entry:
7 h 39 min
